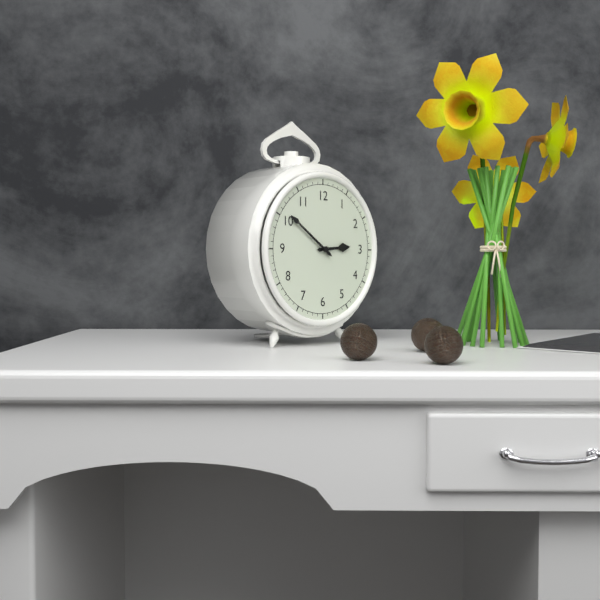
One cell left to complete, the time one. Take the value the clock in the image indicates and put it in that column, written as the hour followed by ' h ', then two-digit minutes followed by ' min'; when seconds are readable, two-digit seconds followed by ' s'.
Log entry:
2 h 51 min
